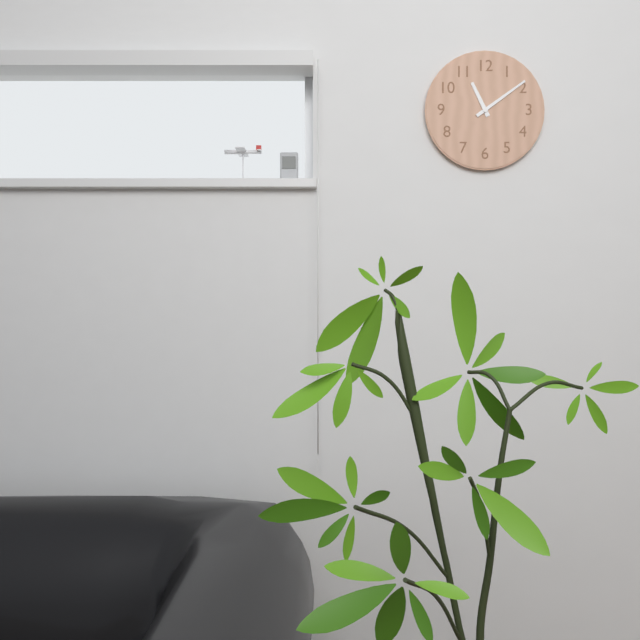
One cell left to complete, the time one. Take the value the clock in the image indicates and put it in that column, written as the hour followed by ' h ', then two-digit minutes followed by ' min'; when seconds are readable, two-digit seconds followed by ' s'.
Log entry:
11 h 09 min
